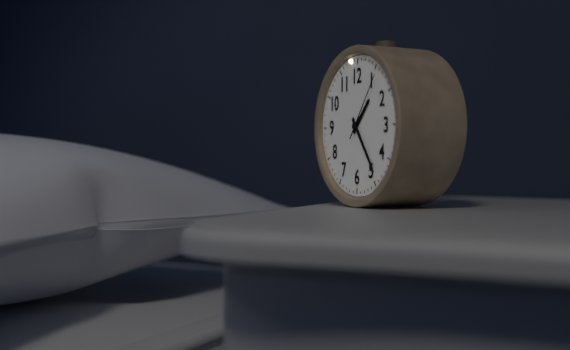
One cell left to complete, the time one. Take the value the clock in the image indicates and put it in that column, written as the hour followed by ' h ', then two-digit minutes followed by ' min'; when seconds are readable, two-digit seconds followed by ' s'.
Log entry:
1 h 24 min 06 s
